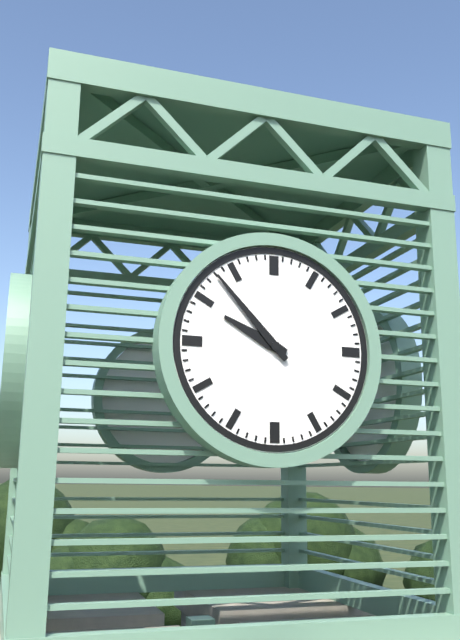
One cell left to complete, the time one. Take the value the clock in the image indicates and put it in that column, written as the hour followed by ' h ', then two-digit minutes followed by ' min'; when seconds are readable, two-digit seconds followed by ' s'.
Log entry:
9 h 53 min
